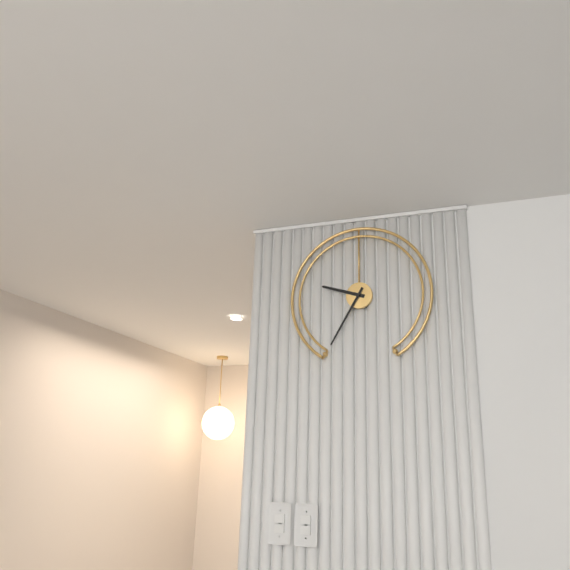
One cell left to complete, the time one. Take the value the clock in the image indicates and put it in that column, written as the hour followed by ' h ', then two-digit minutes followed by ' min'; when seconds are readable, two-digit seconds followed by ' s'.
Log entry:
9 h 35 min
